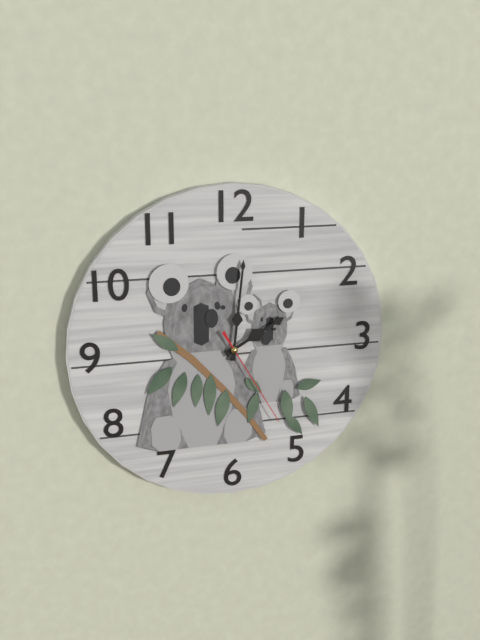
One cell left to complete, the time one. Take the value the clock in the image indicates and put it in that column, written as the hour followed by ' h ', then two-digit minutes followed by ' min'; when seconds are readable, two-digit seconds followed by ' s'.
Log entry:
2 h 01 min 25 s
